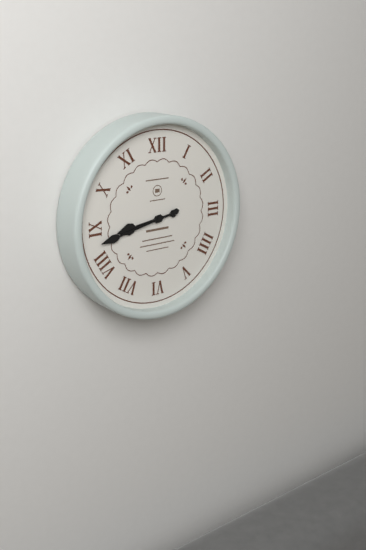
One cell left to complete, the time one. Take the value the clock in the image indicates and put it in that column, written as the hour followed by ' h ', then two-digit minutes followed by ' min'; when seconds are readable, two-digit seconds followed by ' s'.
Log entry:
8 h 43 min
